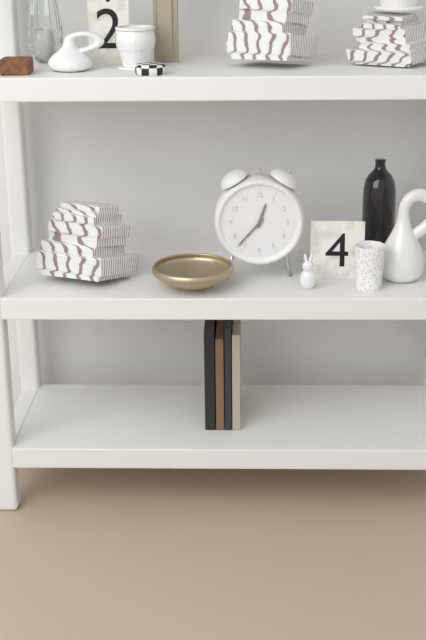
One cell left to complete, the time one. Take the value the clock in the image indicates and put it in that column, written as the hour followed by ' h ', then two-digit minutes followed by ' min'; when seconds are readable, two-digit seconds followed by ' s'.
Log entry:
12 h 37 min
